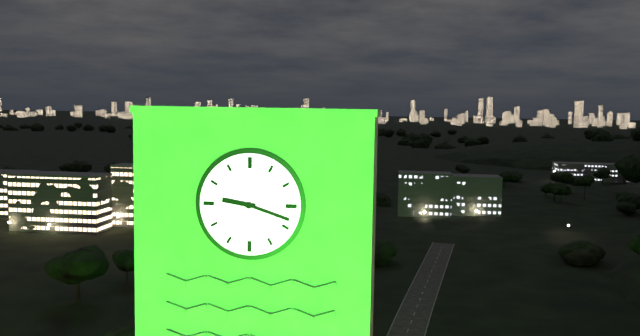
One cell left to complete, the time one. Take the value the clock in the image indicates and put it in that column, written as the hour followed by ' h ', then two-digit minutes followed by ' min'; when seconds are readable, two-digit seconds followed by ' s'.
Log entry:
9 h 18 min
